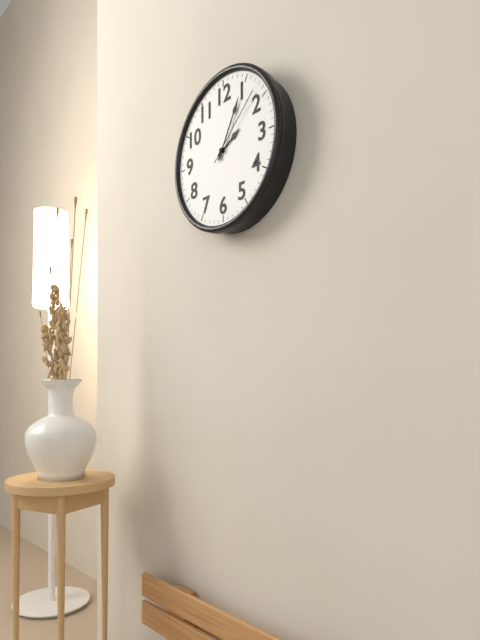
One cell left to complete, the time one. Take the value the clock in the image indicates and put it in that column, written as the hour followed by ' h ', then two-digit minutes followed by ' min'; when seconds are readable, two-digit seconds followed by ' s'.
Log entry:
2 h 05 min 08 s
